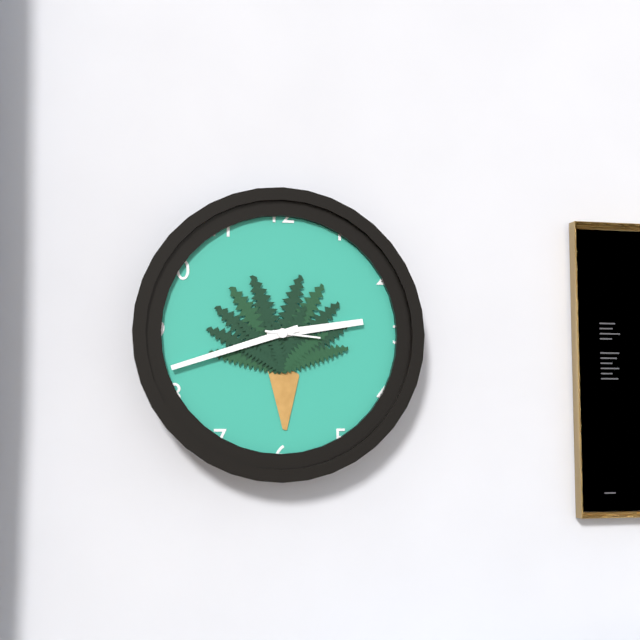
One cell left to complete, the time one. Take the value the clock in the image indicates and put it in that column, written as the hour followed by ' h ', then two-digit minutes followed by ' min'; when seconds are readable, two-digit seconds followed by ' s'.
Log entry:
2 h 42 min
